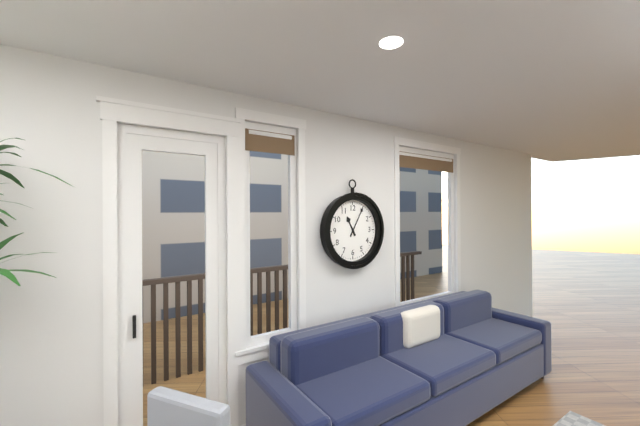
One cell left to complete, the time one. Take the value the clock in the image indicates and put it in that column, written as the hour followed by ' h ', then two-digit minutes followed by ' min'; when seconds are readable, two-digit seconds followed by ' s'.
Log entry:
11 h 05 min
